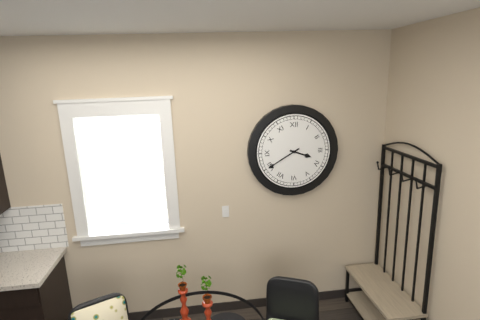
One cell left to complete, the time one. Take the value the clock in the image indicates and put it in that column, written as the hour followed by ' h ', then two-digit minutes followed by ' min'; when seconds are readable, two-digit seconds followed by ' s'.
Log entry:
3 h 40 min
